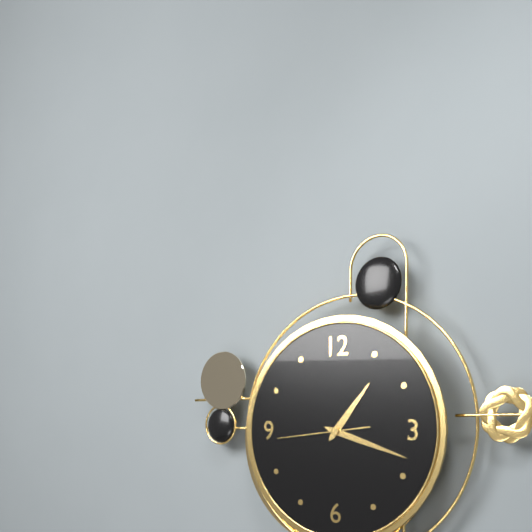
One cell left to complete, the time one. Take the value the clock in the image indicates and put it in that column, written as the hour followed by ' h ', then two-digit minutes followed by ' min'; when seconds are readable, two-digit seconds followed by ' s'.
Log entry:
1 h 18 min 44 s
